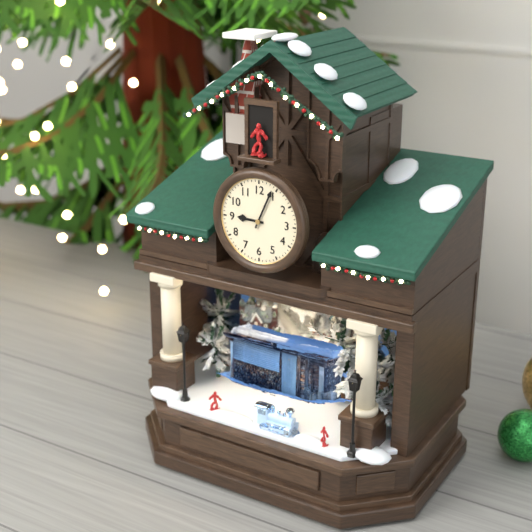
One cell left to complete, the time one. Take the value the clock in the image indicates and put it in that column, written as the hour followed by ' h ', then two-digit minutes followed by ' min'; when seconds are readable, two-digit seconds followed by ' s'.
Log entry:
9 h 04 min
